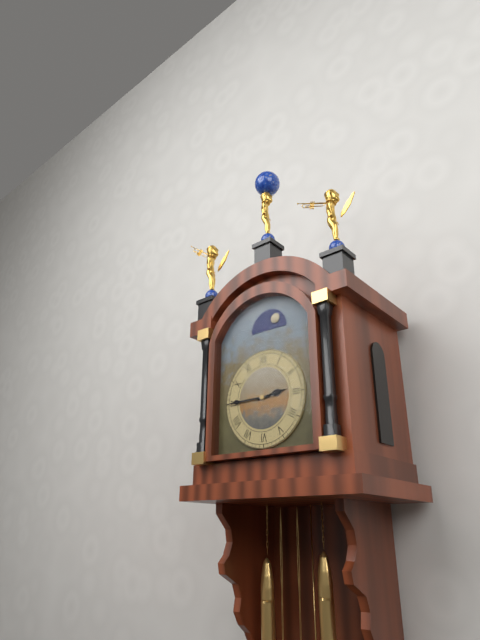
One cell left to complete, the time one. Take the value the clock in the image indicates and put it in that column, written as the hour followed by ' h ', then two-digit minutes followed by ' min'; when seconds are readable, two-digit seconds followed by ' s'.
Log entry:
2 h 45 min
